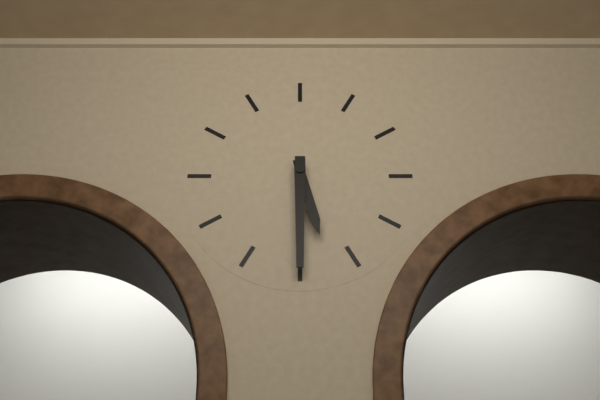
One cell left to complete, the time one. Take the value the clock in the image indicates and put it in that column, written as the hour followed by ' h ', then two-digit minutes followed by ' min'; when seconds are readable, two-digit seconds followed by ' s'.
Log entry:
5 h 30 min
